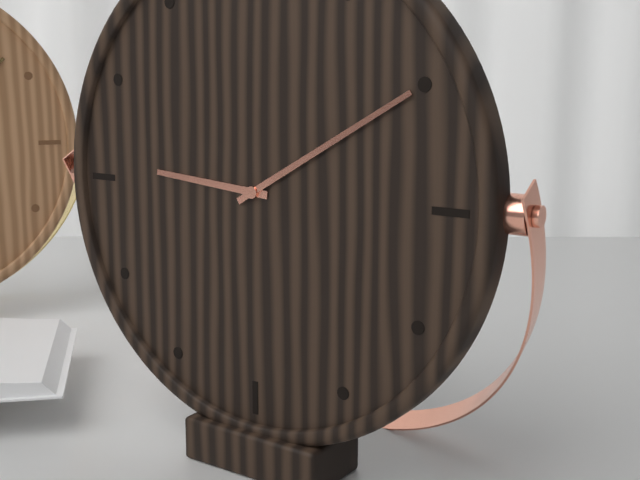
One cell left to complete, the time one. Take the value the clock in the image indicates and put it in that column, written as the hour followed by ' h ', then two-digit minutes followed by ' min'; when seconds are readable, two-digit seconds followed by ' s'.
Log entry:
9 h 10 min
